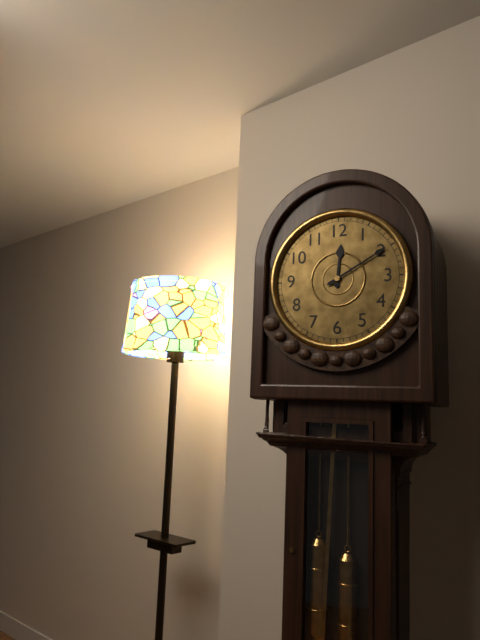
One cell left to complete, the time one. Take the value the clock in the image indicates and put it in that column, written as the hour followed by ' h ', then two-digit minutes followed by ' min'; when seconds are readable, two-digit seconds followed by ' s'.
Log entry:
12 h 10 min
